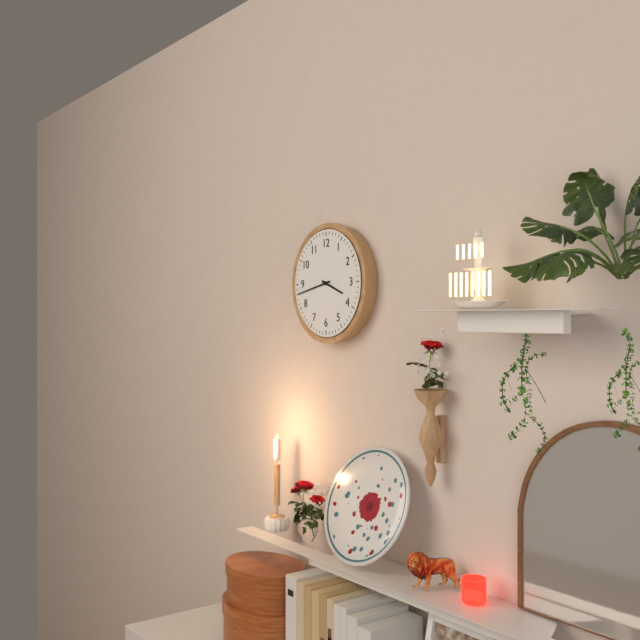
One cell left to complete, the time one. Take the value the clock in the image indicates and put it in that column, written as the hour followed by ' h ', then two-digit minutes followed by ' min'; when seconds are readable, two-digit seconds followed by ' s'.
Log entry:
3 h 43 min
